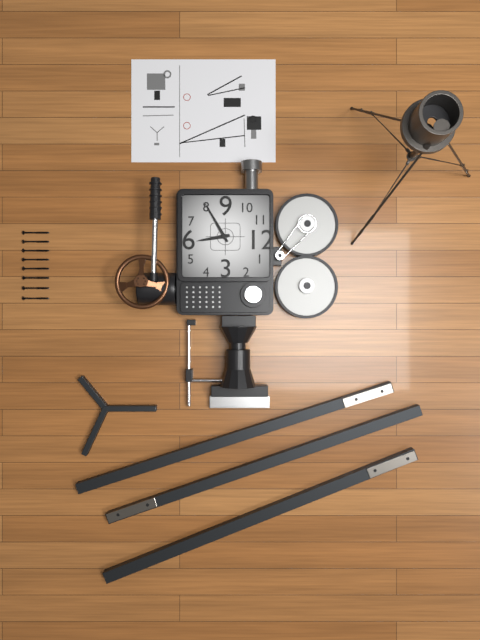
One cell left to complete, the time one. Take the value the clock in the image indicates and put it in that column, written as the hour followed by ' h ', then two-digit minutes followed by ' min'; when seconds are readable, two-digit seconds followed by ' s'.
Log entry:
5 h 40 min
